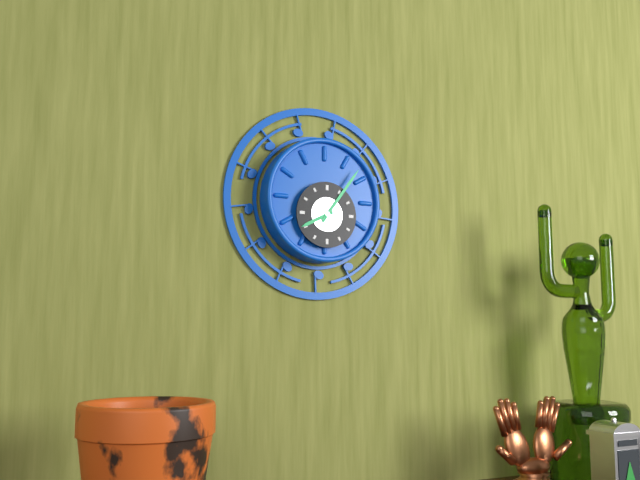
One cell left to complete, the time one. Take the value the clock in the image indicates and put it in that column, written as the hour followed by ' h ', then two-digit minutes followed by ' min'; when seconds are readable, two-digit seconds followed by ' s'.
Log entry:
8 h 06 min
